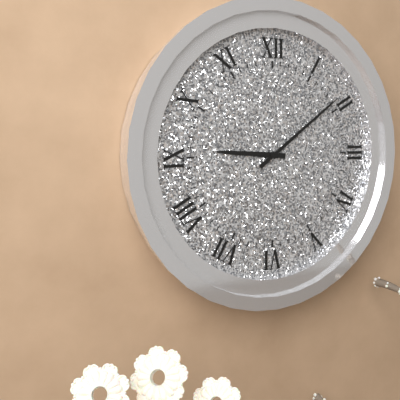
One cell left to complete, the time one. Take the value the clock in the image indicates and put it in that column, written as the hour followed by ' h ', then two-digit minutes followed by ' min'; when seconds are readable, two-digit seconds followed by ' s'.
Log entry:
9 h 09 min
